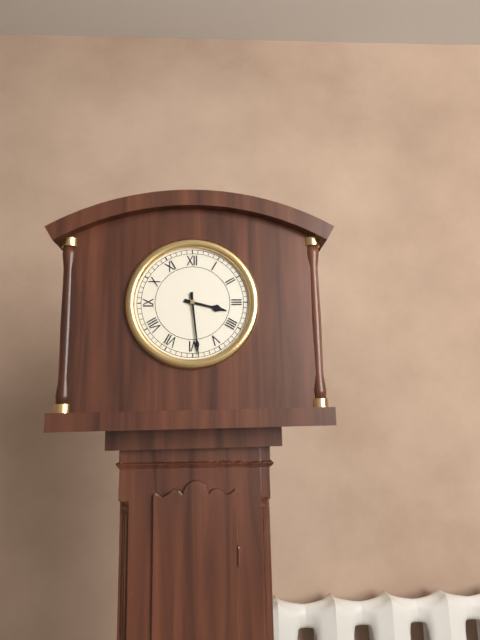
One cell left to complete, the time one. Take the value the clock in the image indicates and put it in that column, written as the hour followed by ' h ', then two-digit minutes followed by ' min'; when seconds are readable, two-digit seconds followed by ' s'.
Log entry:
3 h 29 min
